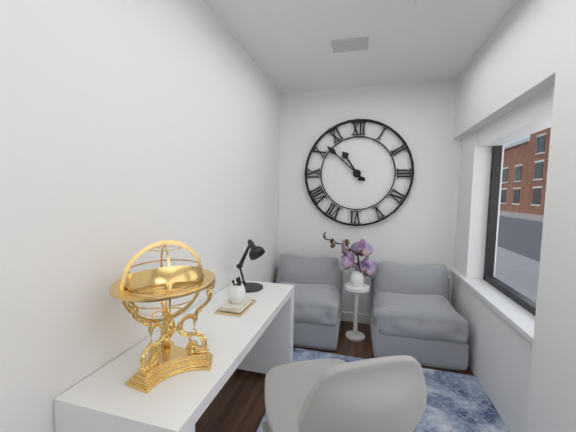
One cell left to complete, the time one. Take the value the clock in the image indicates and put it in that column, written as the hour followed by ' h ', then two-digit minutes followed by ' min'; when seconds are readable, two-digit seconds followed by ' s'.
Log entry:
10 h 52 min
